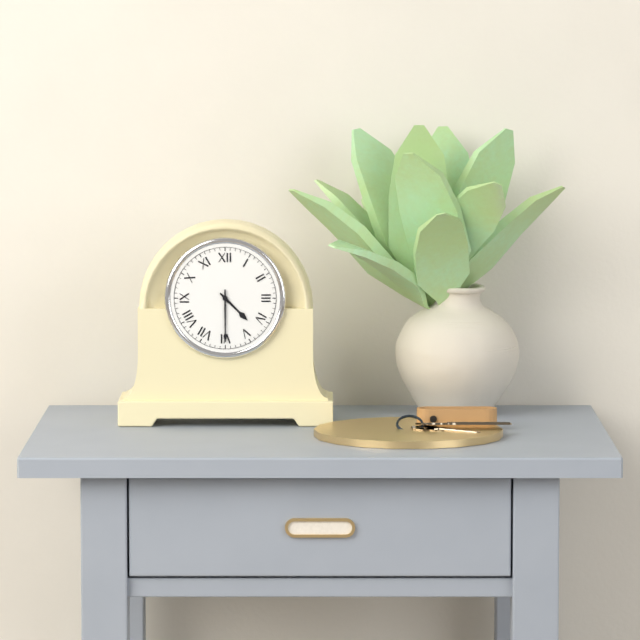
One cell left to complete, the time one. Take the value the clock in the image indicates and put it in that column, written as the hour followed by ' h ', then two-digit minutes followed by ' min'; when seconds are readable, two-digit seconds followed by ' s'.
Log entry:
4 h 30 min
